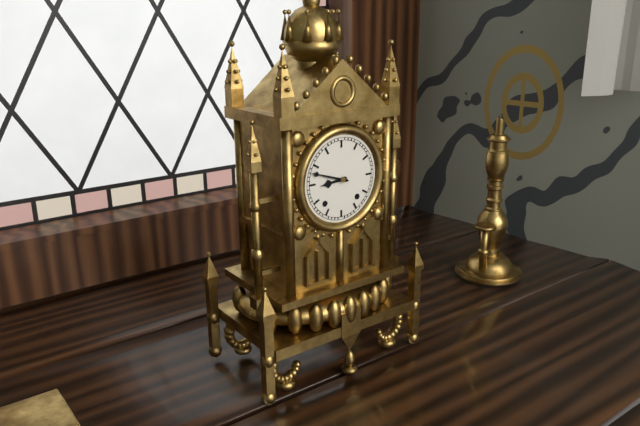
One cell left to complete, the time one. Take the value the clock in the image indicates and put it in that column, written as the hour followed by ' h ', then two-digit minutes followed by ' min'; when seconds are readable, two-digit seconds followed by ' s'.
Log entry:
8 h 48 min
